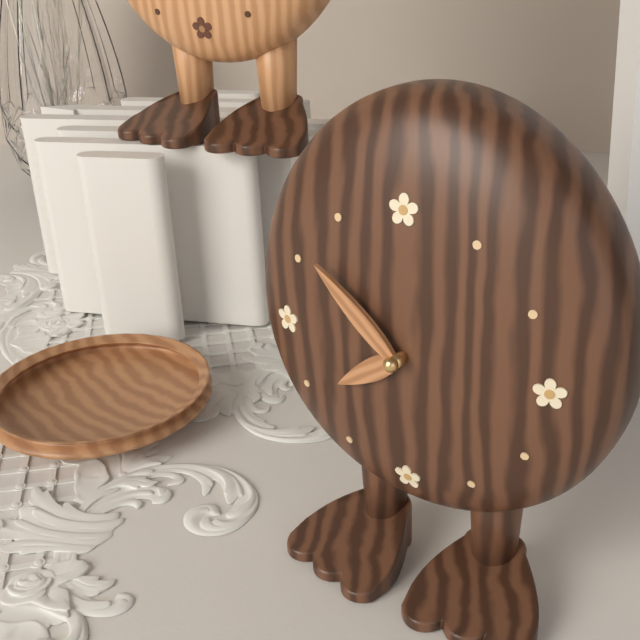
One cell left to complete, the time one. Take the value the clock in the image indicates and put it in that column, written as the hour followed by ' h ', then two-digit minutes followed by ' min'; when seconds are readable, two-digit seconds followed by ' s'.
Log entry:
7 h 52 min
